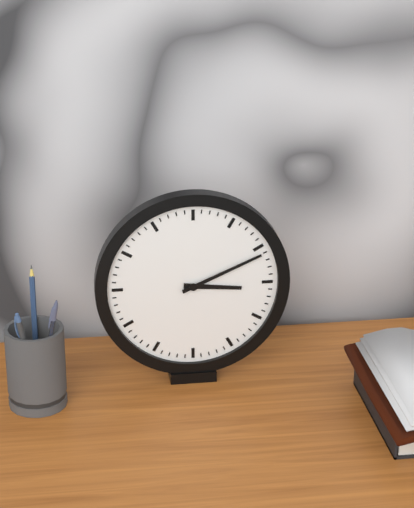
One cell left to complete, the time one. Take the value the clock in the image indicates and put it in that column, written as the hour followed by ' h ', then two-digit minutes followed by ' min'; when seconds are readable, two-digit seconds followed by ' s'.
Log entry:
3 h 11 min
